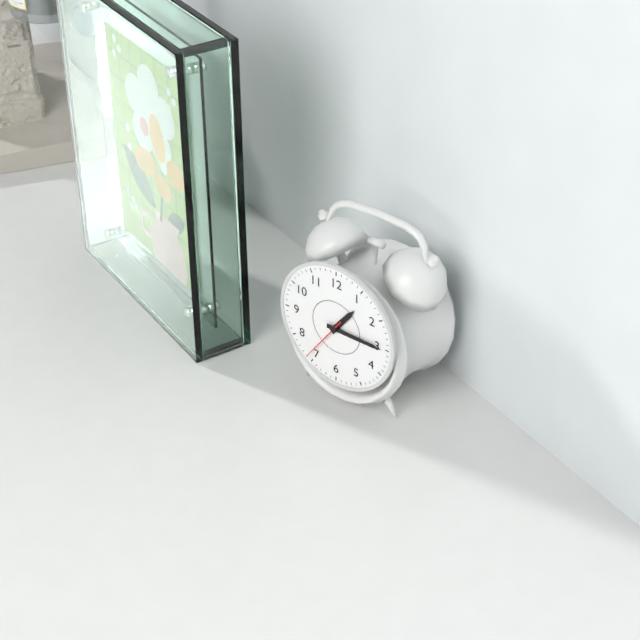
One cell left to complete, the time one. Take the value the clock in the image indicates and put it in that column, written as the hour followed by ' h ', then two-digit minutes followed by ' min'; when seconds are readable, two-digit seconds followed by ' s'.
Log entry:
1 h 15 min
